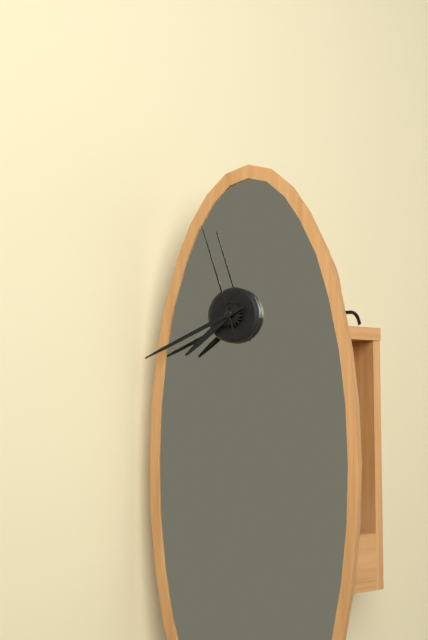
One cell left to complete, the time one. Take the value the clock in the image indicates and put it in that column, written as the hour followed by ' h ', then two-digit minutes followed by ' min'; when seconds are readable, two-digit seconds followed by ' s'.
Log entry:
7 h 41 min 57 s
